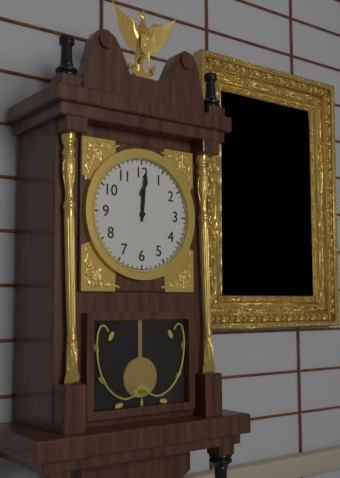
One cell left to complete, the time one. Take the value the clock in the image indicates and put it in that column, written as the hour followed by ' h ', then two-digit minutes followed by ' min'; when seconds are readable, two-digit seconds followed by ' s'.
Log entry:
12 h 01 min
